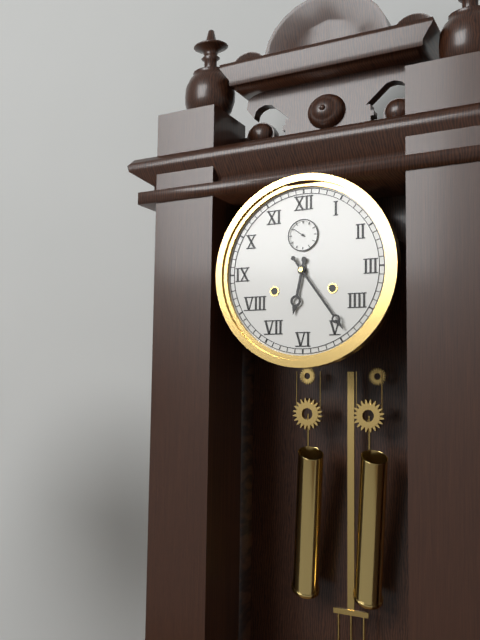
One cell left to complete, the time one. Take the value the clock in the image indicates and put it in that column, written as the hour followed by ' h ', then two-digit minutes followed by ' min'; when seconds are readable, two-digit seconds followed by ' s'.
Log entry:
6 h 24 min
